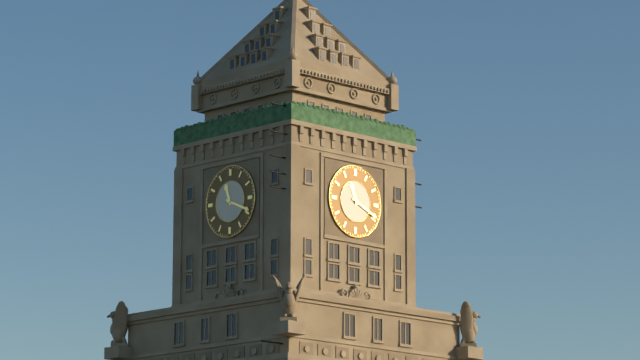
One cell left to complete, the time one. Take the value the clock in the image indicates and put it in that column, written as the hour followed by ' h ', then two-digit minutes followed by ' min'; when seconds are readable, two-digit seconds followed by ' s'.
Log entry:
11 h 19 min
